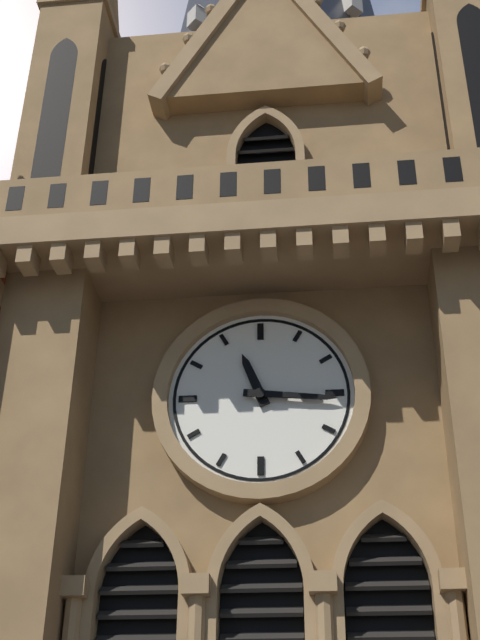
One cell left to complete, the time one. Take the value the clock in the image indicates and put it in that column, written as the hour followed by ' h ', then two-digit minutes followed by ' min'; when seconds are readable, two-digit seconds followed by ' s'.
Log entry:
11 h 16 min
